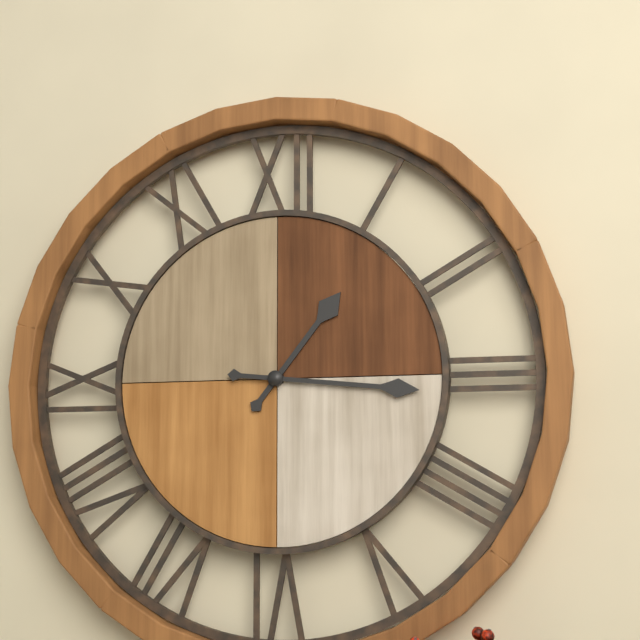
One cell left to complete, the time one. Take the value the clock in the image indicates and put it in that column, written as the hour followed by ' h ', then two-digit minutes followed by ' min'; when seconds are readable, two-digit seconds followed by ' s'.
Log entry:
1 h 16 min
